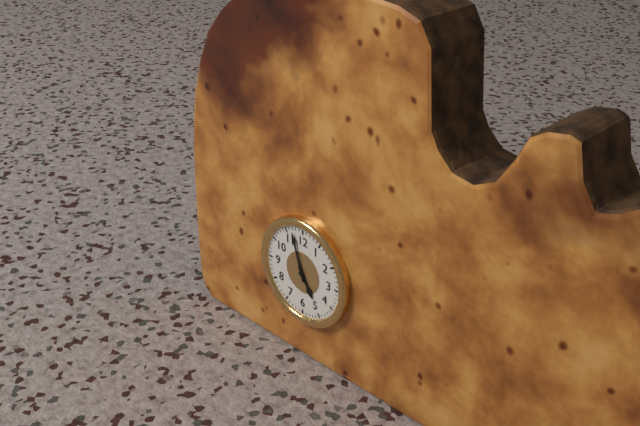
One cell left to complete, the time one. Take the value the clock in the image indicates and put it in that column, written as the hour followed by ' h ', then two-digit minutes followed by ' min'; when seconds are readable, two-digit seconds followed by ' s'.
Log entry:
4 h 57 min
